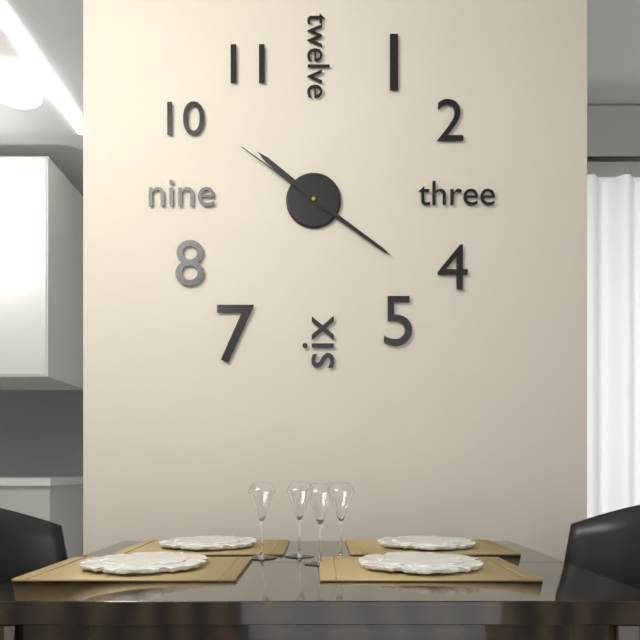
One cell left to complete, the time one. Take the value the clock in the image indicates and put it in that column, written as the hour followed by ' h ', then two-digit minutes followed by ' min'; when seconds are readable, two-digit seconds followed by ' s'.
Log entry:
10 h 21 min 51 s
